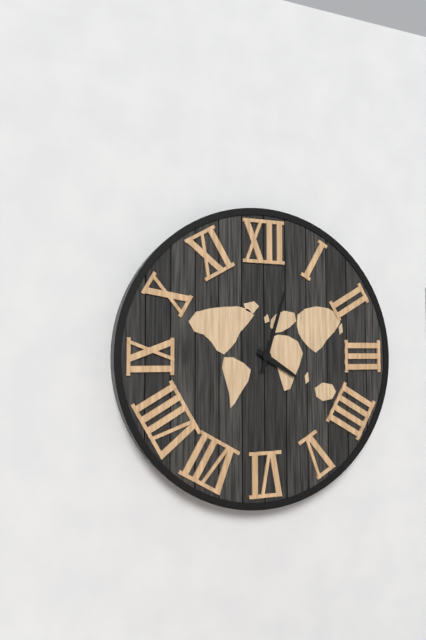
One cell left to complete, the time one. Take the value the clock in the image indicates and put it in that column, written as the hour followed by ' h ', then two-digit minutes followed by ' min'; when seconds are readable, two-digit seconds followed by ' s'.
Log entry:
4 h 03 min
